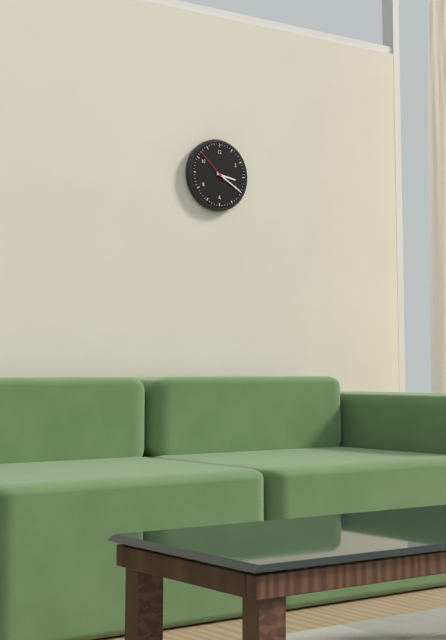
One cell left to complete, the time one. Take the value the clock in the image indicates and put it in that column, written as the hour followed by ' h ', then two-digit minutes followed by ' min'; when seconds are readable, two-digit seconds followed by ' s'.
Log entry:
3 h 20 min
